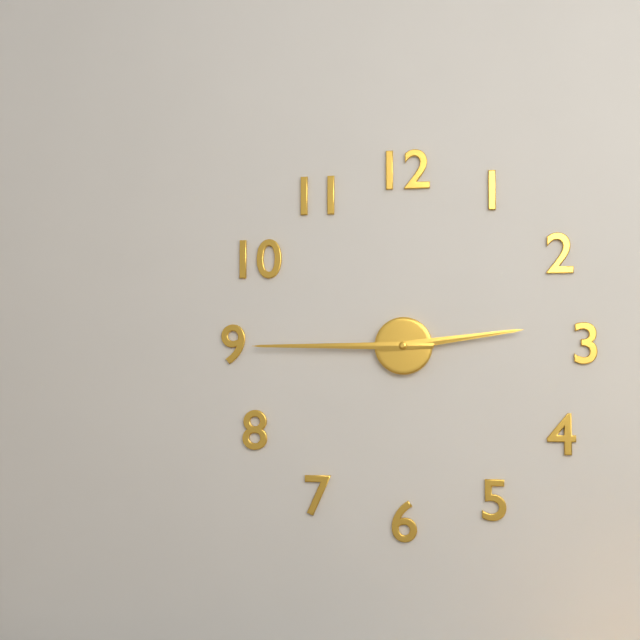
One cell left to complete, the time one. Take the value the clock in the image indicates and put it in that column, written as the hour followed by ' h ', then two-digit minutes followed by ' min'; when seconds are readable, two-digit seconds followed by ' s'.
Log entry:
2 h 45 min
